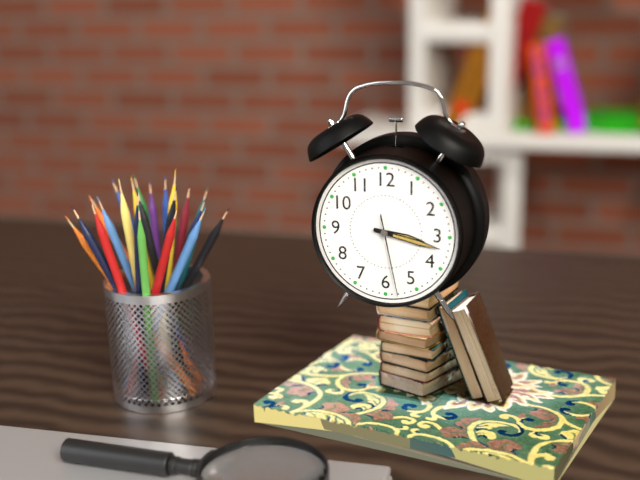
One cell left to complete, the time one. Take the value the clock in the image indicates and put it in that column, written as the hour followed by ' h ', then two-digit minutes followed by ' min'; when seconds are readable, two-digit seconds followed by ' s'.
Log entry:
3 h 17 min 28 s
